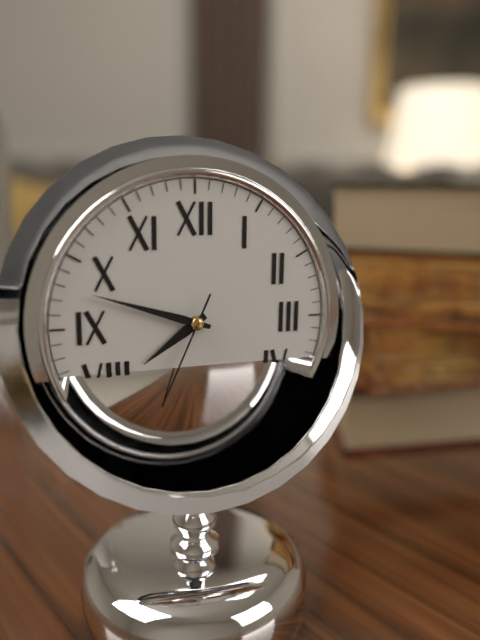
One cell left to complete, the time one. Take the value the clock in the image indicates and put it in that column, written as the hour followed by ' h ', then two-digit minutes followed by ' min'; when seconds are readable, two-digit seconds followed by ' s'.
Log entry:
7 h 48 min
